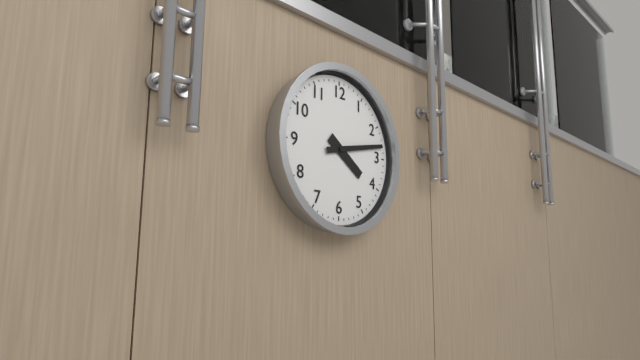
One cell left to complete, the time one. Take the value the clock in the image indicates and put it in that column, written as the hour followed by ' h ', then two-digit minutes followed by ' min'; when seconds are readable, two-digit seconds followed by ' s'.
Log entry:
4 h 13 min
